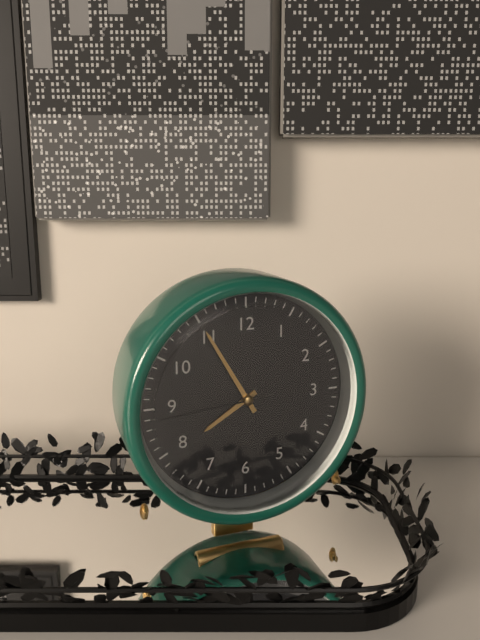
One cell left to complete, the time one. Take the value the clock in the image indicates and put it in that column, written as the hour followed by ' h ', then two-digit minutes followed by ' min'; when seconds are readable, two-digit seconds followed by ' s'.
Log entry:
7 h 55 min 44 s
